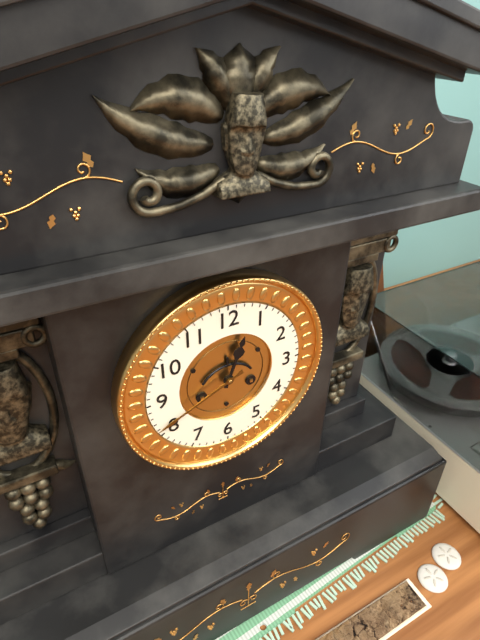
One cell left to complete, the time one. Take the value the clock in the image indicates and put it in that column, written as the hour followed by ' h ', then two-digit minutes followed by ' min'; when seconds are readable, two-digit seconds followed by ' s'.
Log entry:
12 h 41 min
